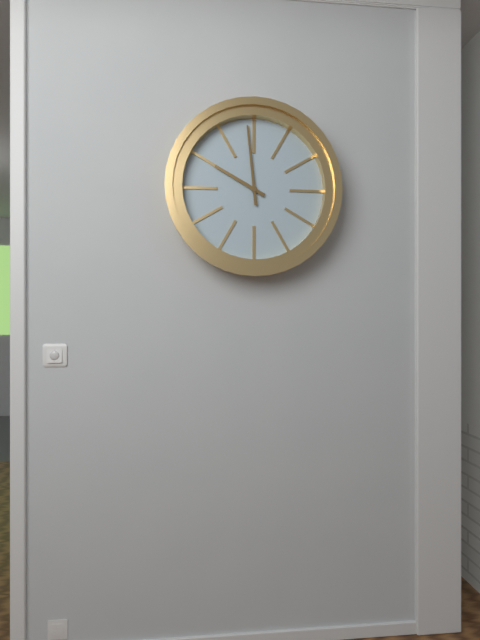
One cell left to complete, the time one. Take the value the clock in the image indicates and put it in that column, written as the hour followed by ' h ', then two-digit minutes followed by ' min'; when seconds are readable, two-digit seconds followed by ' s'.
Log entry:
9 h 59 min
